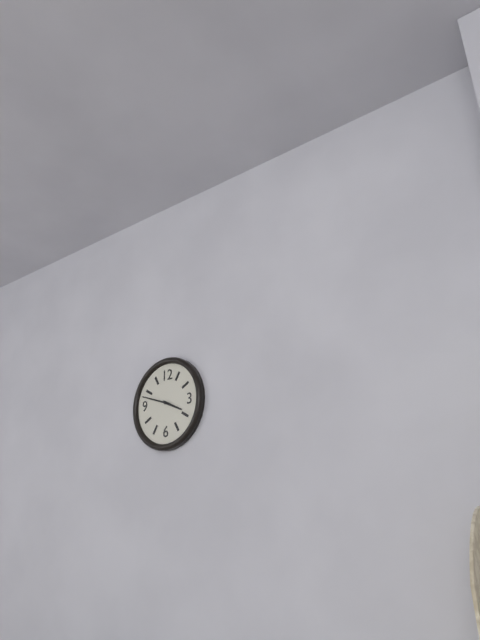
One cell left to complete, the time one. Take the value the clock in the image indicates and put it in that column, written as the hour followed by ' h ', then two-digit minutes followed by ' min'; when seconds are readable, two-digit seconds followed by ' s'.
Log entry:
3 h 48 min
